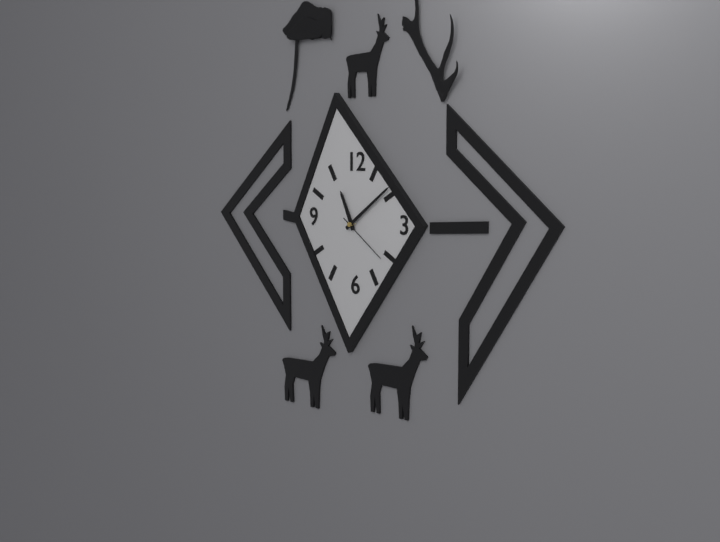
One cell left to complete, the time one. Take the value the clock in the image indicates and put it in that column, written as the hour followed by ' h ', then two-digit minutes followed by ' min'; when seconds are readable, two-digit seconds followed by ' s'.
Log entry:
11 h 09 min 21 s
